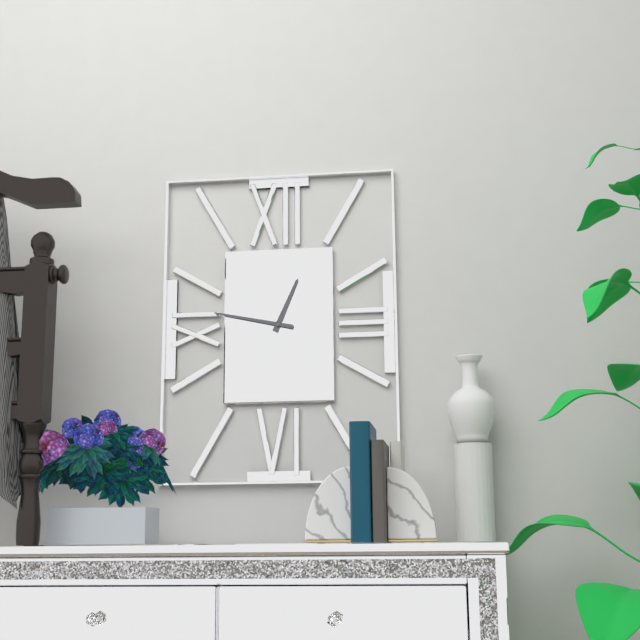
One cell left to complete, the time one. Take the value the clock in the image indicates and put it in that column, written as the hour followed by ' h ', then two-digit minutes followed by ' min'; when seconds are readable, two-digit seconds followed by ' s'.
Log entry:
12 h 47 min
